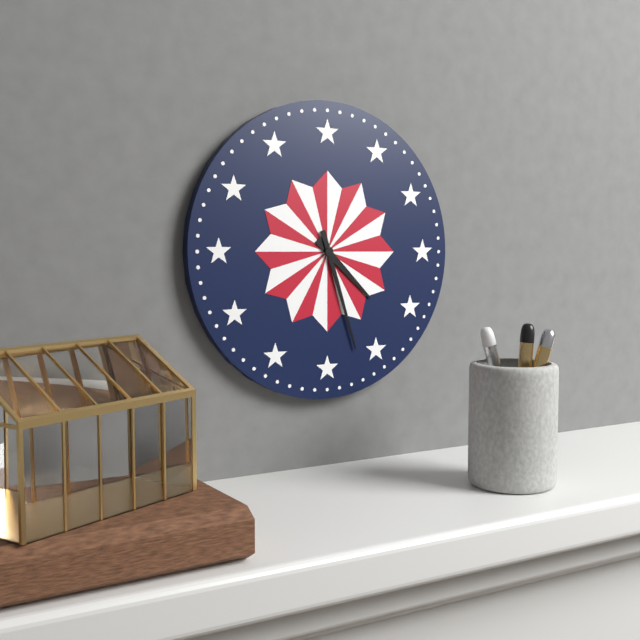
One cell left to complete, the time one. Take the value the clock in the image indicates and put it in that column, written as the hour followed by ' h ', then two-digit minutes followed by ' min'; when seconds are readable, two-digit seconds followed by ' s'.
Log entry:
4 h 27 min
